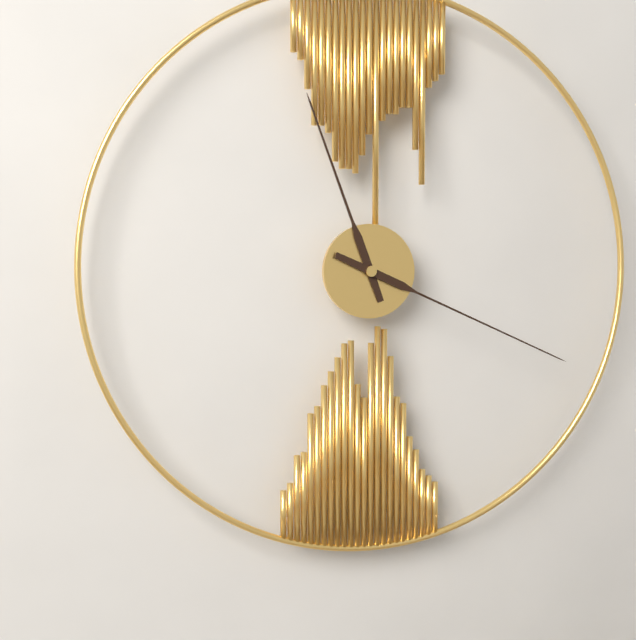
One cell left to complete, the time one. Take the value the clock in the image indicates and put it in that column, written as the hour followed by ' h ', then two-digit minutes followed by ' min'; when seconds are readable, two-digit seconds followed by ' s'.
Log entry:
11 h 19 min
